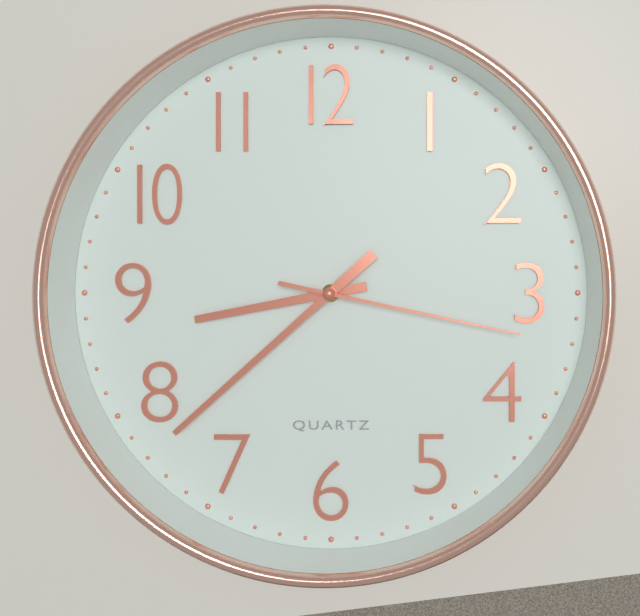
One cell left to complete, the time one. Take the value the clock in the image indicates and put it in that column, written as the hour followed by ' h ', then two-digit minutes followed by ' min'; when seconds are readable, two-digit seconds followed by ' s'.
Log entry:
8 h 38 min 17 s
